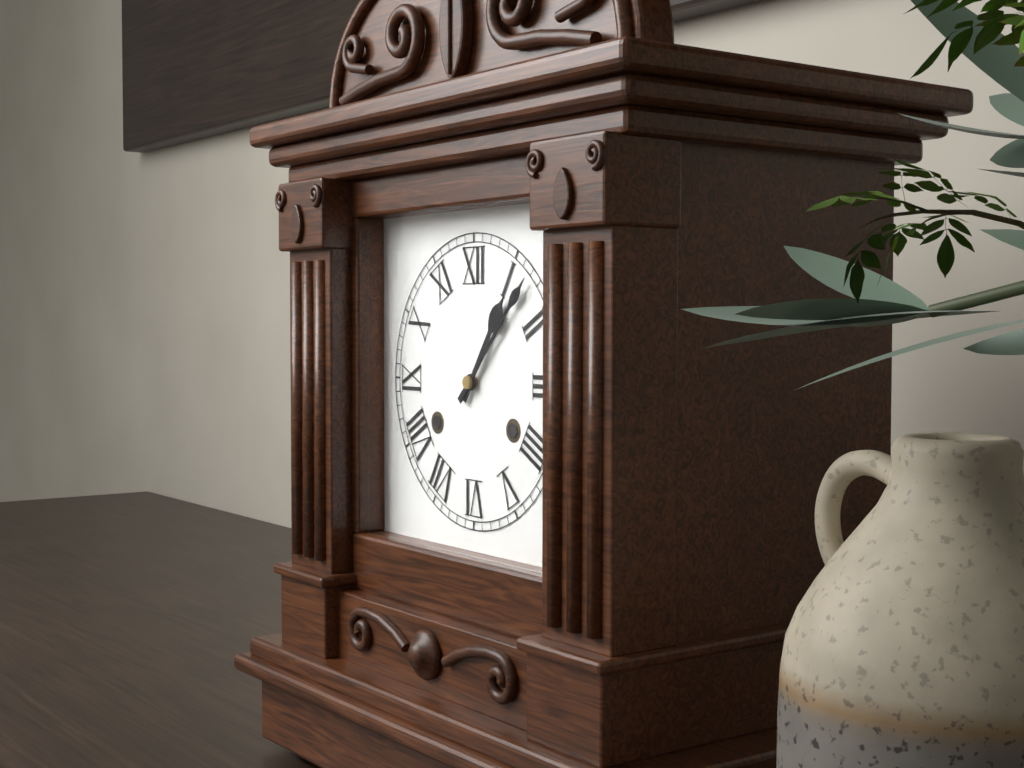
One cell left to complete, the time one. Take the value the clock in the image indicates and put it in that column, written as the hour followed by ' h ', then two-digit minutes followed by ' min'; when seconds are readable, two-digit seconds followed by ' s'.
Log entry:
1 h 07 min
